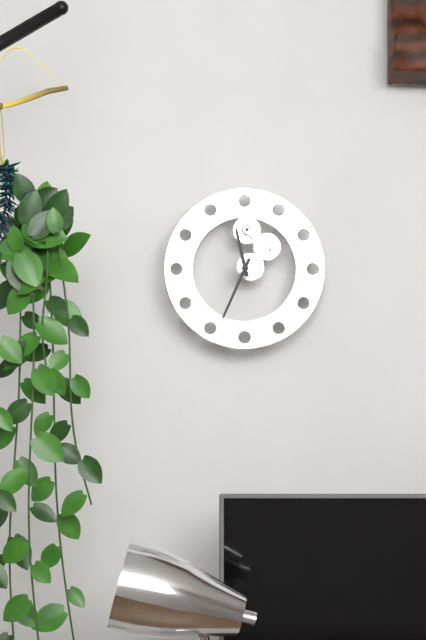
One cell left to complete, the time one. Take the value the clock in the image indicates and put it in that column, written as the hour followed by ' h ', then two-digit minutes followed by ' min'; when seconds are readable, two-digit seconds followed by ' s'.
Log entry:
11 h 34 min
